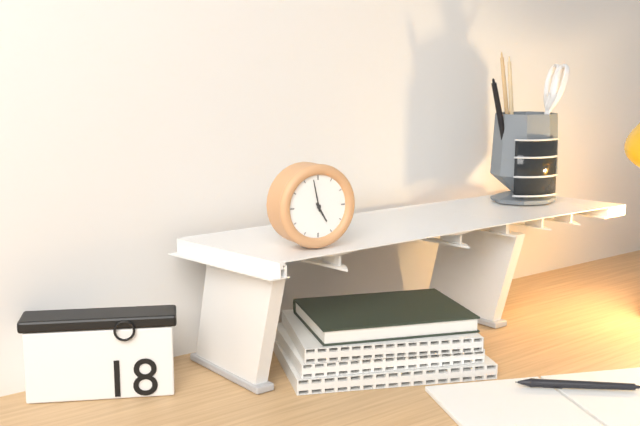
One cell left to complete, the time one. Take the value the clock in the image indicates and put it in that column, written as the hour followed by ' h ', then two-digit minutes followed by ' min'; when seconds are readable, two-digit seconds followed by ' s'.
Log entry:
4 h 58 min
